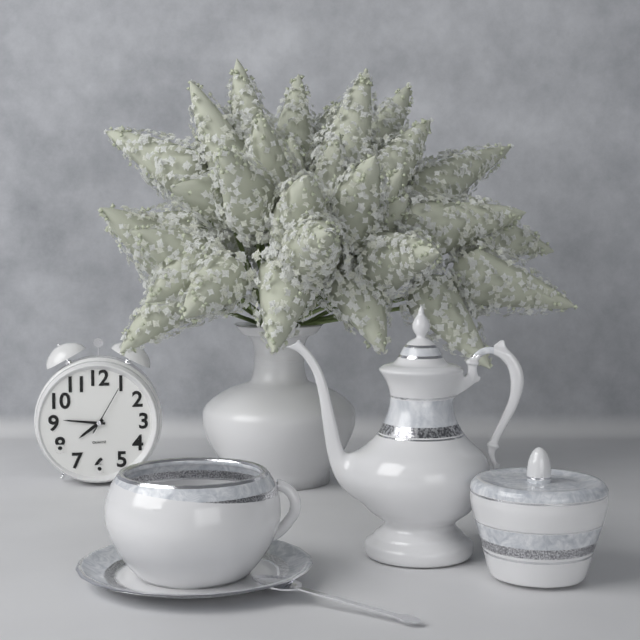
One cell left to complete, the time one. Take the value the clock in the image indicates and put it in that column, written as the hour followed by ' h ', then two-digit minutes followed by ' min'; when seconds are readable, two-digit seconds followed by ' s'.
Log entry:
7 h 46 min
